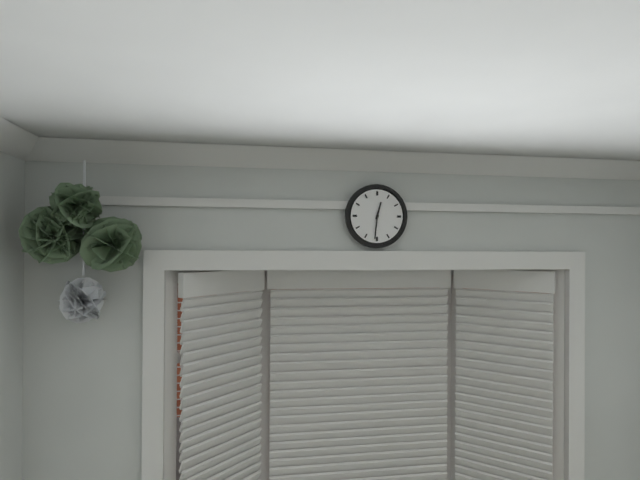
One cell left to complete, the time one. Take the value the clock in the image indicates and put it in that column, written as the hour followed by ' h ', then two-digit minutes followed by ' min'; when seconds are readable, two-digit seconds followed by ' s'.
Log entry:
12 h 31 min
